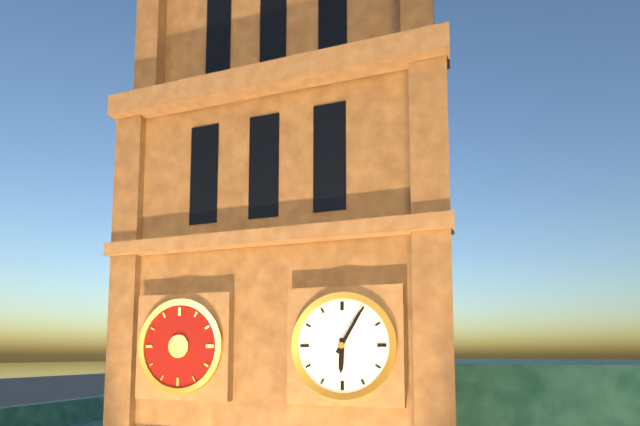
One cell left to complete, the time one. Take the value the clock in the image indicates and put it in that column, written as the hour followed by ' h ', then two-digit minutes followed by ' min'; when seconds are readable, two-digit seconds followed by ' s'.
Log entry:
6 h 05 min
